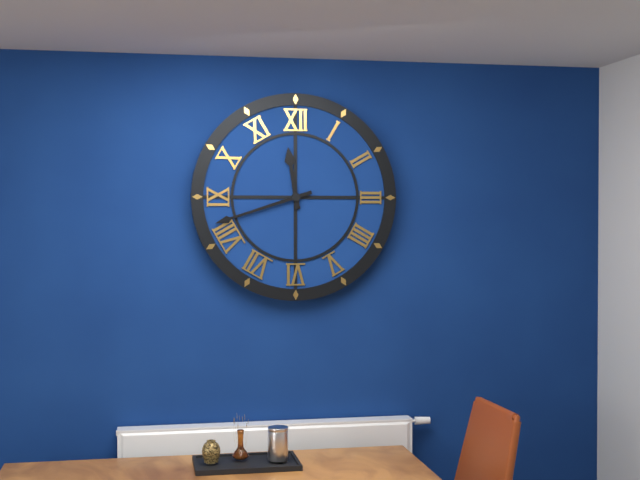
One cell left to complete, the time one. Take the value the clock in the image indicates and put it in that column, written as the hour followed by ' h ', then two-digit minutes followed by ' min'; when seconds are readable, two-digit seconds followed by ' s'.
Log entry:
11 h 42 min
